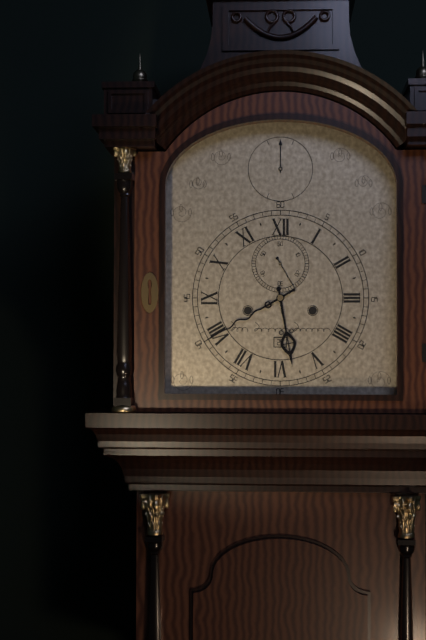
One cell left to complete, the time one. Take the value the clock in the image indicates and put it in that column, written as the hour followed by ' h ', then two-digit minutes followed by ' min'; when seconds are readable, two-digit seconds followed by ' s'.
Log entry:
5 h 40 min
